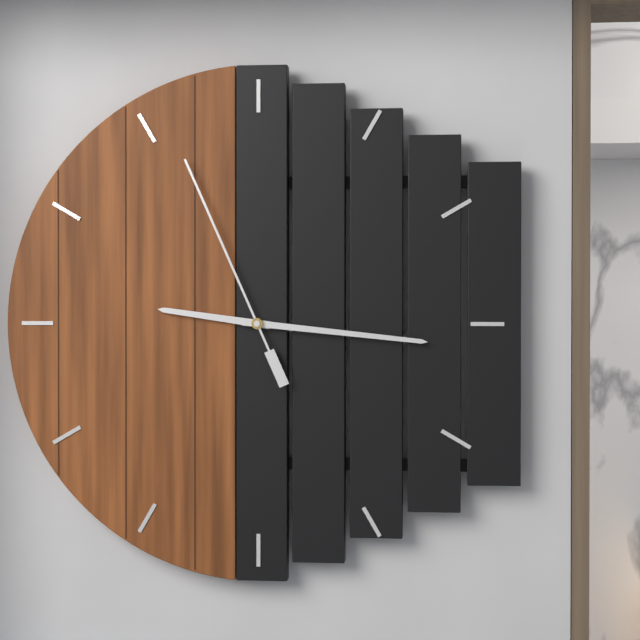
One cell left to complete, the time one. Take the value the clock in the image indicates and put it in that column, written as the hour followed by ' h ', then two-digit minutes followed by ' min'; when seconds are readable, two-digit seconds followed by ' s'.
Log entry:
9 h 16 min 56 s
